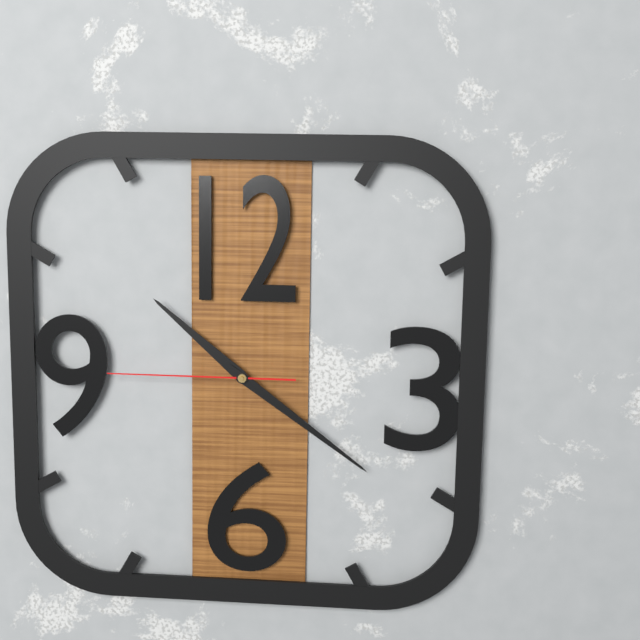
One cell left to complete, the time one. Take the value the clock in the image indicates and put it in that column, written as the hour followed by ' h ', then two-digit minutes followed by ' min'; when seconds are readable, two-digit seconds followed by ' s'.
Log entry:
10 h 21 min 45 s
